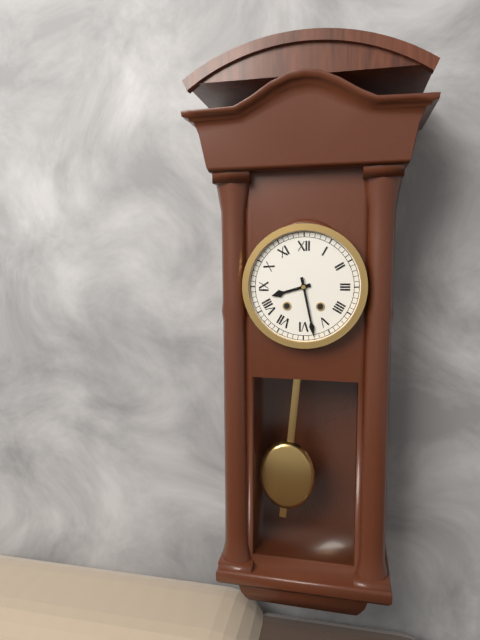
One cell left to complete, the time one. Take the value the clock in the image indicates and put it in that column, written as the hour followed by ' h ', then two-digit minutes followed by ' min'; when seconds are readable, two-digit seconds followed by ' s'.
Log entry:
8 h 28 min
